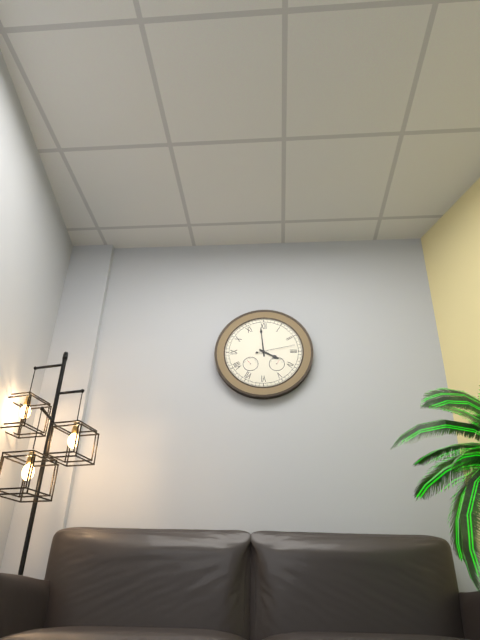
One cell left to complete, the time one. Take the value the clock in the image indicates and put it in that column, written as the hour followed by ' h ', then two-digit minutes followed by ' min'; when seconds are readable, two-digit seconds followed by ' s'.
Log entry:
3 h 59 min
